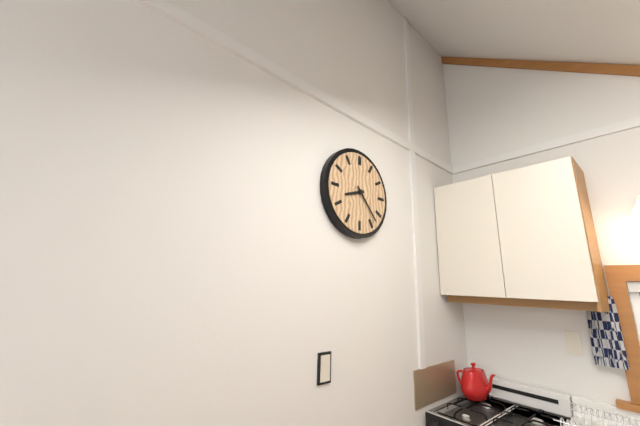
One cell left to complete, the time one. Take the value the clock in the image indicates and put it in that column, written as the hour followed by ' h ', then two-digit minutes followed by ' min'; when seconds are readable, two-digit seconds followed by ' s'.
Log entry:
8 h 23 min
